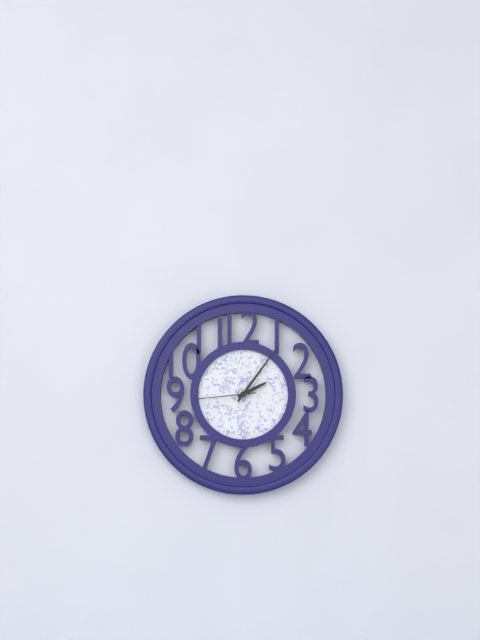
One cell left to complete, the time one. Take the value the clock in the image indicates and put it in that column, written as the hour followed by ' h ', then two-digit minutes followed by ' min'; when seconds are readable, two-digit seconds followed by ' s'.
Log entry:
2 h 06 min 44 s
